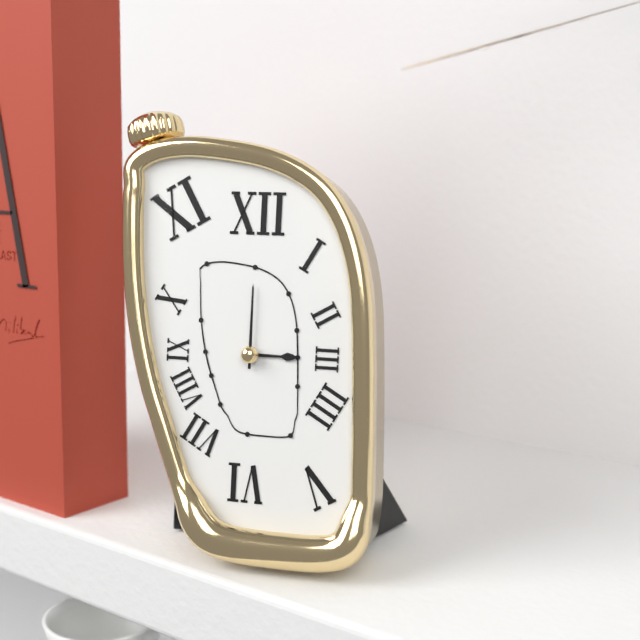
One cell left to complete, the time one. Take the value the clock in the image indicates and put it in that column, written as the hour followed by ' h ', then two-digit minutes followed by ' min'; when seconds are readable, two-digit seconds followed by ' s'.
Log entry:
3 h 00 min
